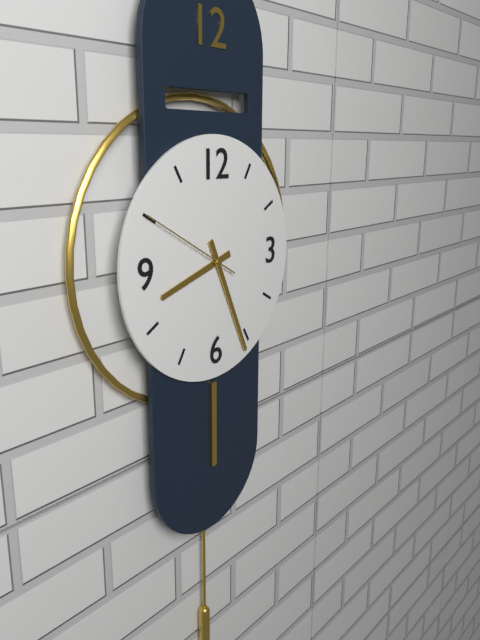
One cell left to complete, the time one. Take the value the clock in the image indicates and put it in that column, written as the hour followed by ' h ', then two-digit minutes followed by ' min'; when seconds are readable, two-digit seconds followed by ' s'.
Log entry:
8 h 26 min 50 s
